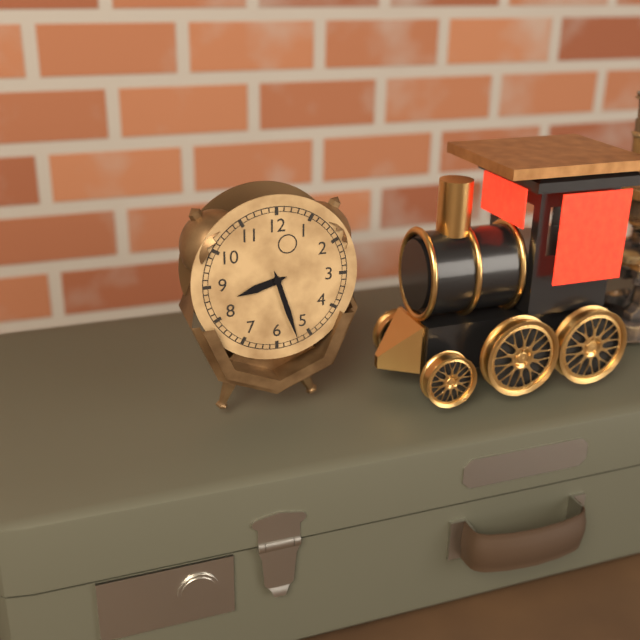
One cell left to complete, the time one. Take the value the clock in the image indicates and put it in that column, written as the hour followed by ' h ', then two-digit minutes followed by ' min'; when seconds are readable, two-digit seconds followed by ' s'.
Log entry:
8 h 27 min
